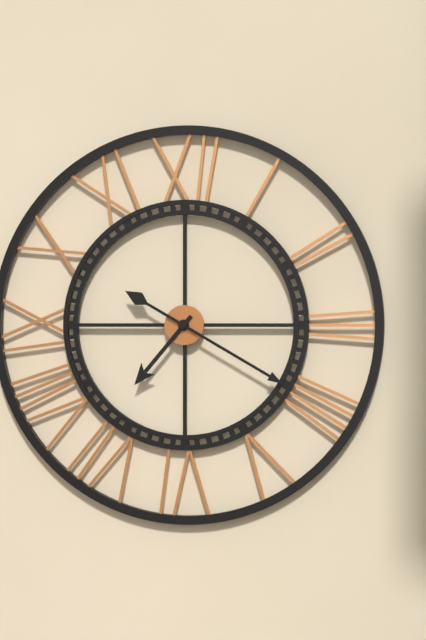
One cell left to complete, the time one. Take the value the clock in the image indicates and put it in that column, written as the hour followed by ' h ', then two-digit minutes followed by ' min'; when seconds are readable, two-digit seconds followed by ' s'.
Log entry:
7 h 20 min
